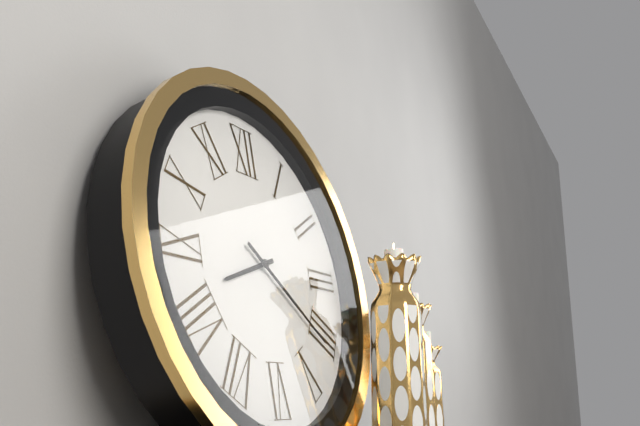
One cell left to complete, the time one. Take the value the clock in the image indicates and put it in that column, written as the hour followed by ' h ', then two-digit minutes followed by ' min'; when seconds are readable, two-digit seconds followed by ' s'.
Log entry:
8 h 21 min
